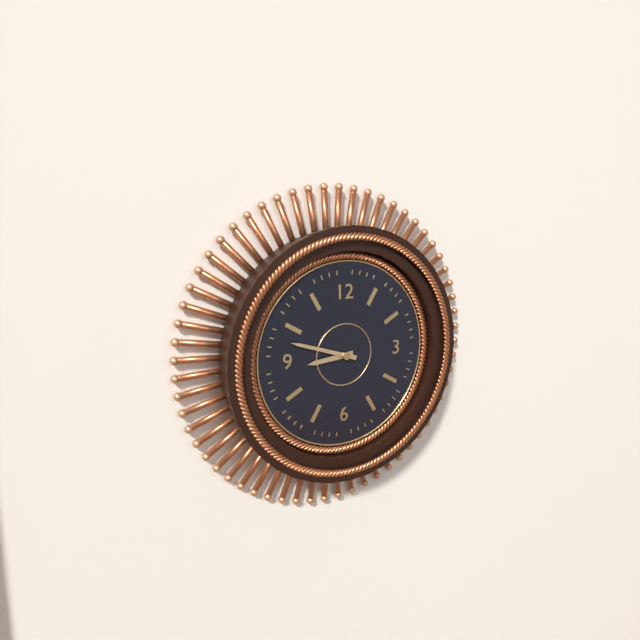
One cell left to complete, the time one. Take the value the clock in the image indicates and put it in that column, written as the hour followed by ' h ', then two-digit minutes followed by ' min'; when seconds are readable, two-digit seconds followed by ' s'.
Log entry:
8 h 48 min
